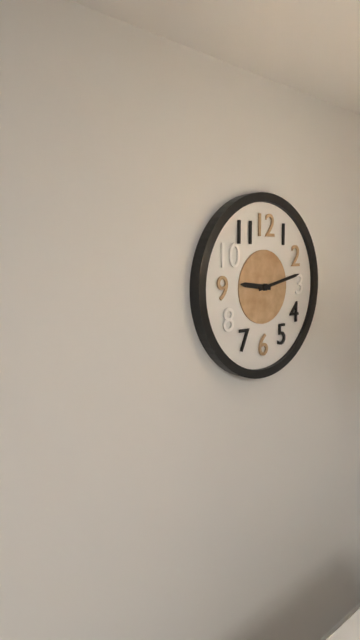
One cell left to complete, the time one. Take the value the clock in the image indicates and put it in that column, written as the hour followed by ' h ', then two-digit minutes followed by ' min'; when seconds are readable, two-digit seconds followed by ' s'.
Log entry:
9 h 13 min
